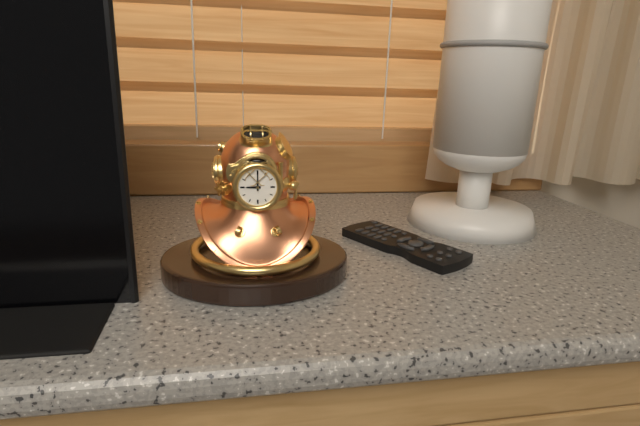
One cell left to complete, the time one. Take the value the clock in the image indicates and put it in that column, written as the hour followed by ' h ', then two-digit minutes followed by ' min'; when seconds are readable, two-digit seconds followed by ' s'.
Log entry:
9 h 00 min
